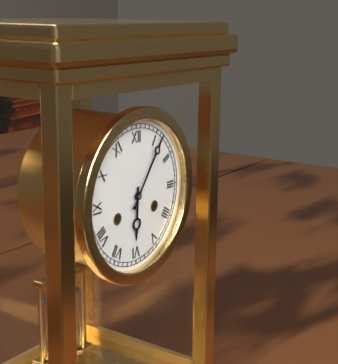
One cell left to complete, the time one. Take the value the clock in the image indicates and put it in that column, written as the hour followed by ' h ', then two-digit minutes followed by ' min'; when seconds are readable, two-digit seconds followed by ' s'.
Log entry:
6 h 06 min
